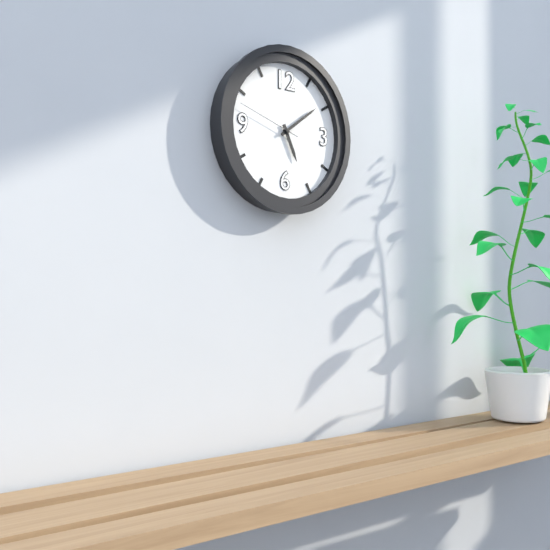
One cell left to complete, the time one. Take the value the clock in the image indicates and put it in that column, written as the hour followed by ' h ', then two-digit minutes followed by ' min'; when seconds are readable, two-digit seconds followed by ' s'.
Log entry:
5 h 09 min 48 s
